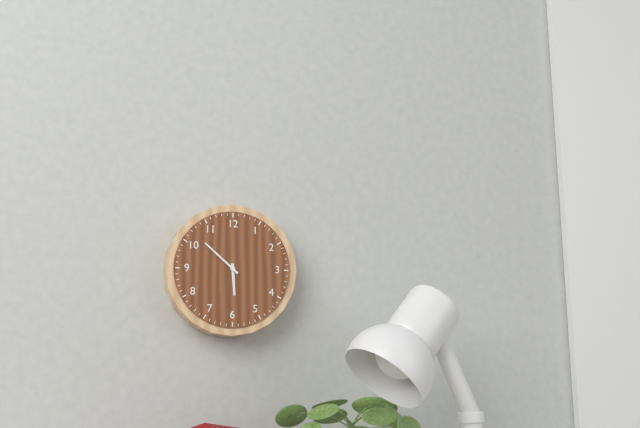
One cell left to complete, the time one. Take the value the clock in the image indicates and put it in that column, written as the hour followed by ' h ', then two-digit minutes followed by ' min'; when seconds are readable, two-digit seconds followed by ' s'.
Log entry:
5 h 52 min
